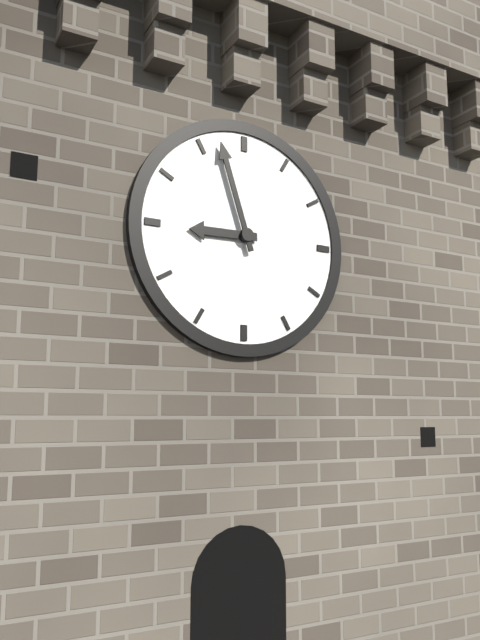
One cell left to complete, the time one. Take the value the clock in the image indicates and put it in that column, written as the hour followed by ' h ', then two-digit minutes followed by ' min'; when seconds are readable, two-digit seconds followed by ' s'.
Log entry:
8 h 57 min
